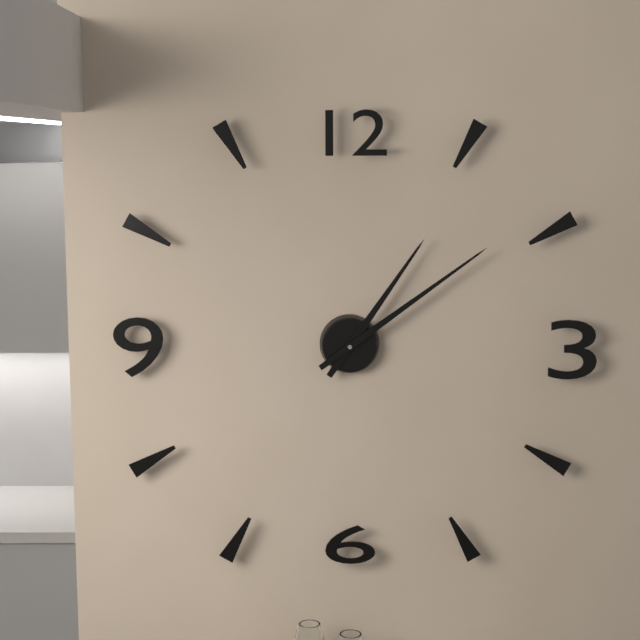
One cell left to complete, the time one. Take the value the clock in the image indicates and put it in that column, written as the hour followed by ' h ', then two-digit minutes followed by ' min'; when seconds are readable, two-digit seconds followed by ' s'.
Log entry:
1 h 09 min
